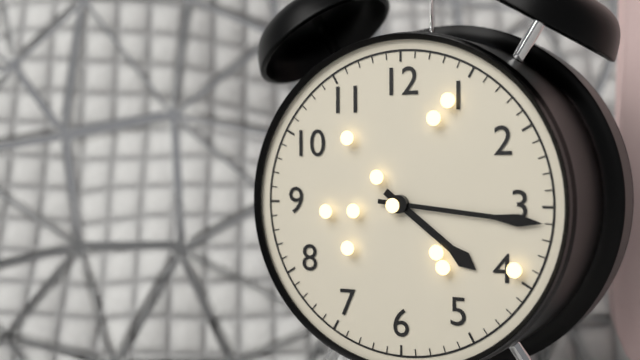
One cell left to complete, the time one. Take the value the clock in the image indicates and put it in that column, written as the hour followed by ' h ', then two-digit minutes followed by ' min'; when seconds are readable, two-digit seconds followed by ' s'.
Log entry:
4 h 16 min
